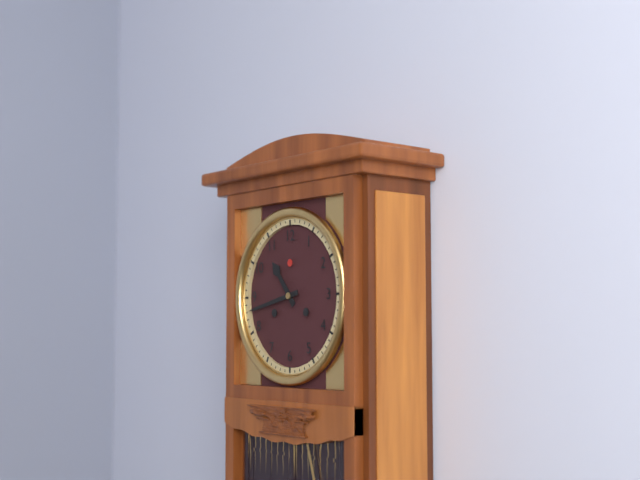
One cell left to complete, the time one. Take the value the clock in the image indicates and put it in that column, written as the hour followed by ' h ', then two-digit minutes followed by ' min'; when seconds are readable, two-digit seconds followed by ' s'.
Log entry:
10 h 43 min
